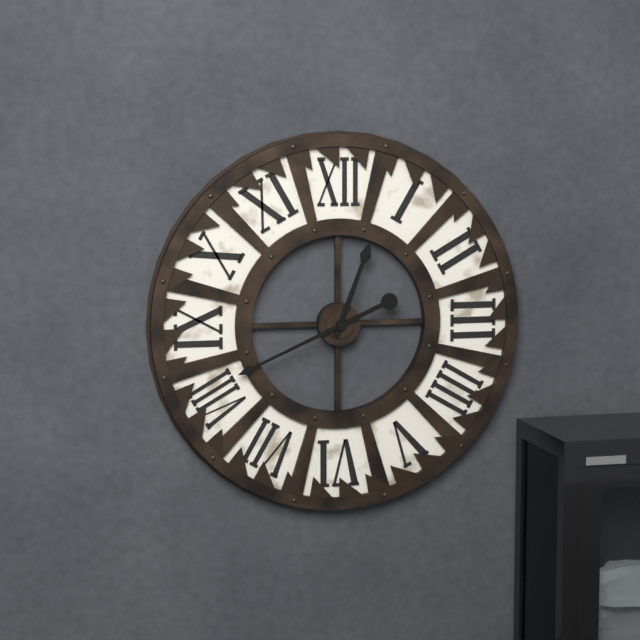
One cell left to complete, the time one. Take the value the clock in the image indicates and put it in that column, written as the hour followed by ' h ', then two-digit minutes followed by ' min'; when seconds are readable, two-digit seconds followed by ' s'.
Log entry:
12 h 41 min
